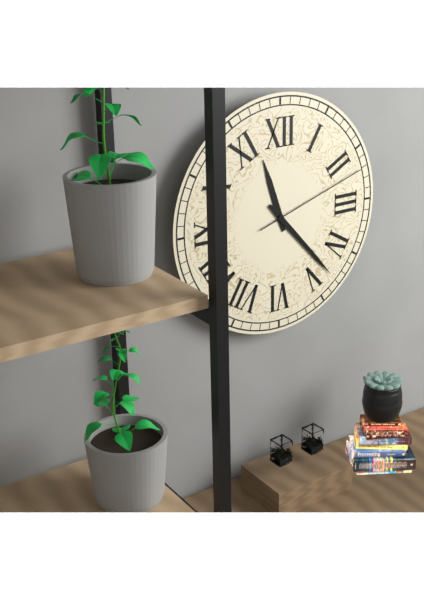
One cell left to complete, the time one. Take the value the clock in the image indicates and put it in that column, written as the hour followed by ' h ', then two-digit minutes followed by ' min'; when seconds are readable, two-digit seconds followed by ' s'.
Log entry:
11 h 23 min 12 s
